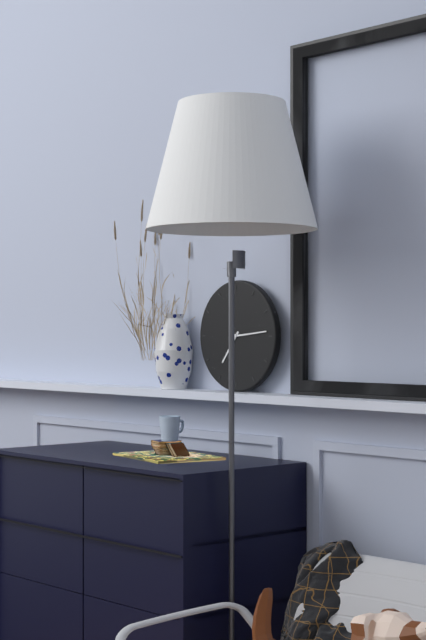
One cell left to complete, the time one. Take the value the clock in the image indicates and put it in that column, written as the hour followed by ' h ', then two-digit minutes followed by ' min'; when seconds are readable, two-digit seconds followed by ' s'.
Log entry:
7 h 14 min
